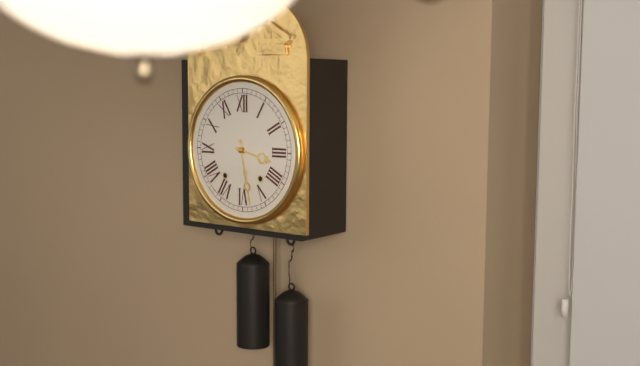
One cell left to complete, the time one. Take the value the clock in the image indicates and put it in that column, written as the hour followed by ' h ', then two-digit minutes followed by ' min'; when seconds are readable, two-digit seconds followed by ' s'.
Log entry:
3 h 28 min
